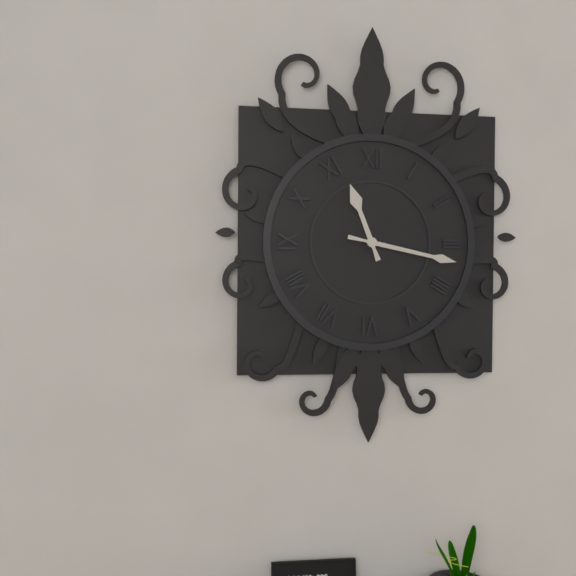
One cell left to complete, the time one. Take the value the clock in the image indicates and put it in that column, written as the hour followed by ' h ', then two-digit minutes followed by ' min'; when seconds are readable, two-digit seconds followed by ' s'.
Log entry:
11 h 17 min
